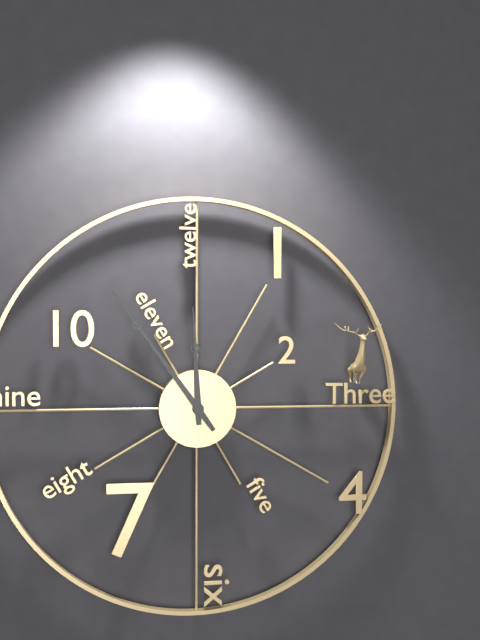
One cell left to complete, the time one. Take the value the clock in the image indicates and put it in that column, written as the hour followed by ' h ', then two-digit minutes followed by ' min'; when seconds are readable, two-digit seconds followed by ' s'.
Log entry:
11 h 54 min
